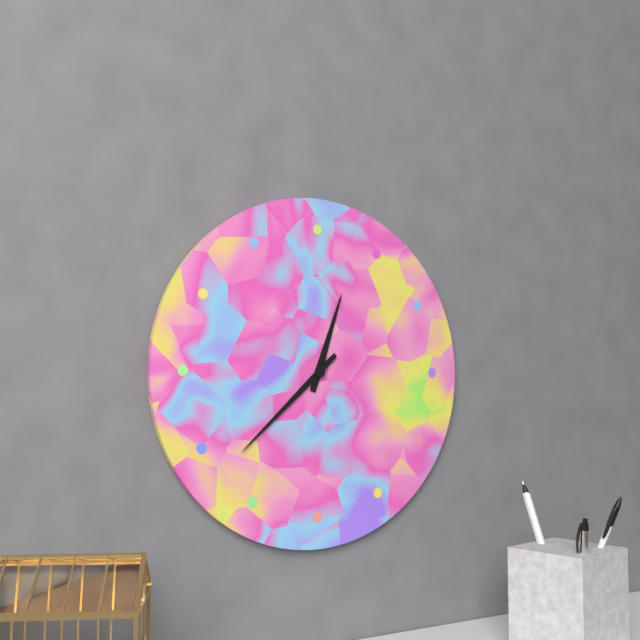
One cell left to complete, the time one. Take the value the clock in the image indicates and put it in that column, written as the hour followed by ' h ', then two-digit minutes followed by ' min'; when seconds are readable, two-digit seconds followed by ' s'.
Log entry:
12 h 38 min
